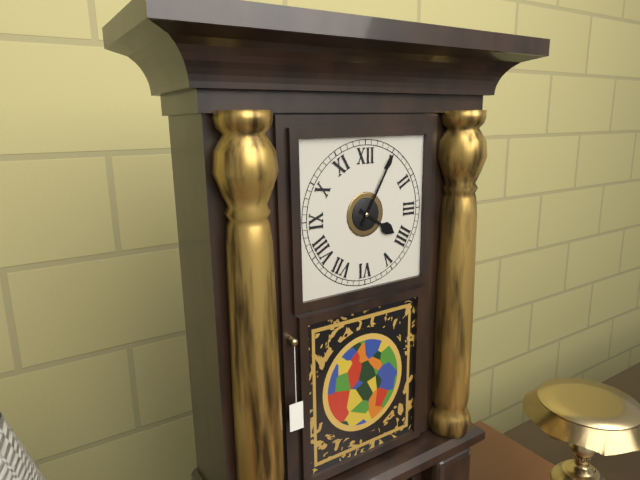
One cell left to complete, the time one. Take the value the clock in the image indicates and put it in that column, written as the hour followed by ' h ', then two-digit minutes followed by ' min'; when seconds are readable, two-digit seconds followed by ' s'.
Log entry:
4 h 05 min
